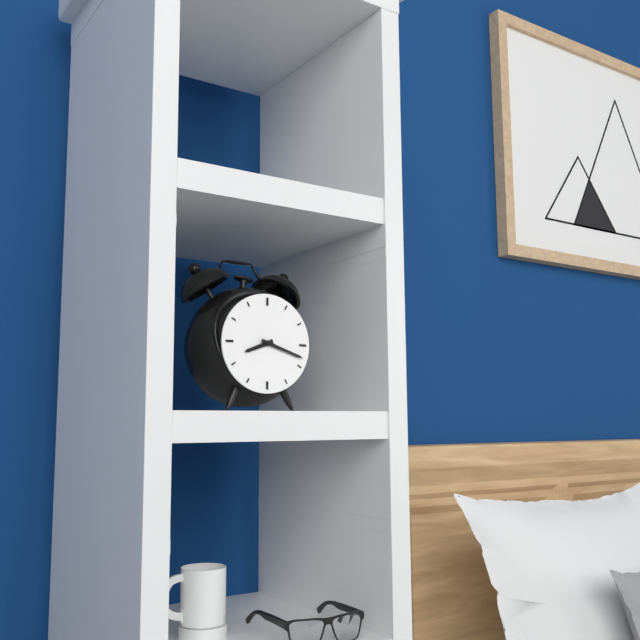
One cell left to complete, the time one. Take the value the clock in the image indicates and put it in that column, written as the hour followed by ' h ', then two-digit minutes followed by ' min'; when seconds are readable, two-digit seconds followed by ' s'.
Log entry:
8 h 18 min
